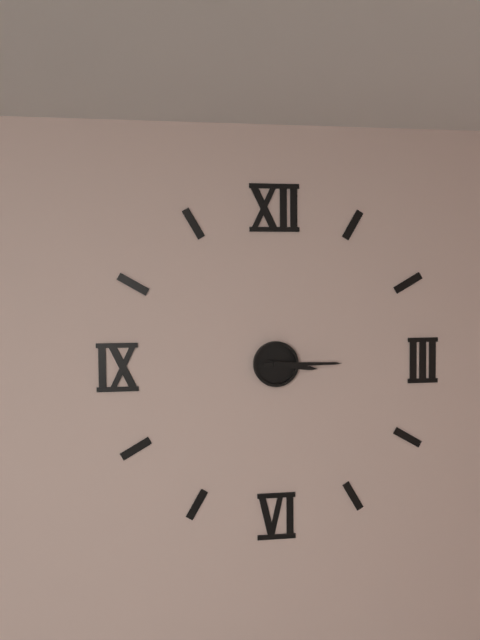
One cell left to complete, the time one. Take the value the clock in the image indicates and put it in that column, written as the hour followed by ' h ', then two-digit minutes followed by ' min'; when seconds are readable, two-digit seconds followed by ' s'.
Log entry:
3 h 15 min
